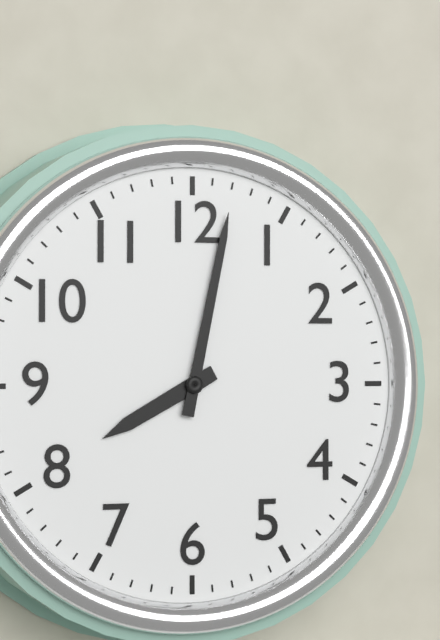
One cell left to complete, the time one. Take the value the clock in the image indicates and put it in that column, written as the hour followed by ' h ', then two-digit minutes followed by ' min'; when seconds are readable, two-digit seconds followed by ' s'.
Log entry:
8 h 02 min
